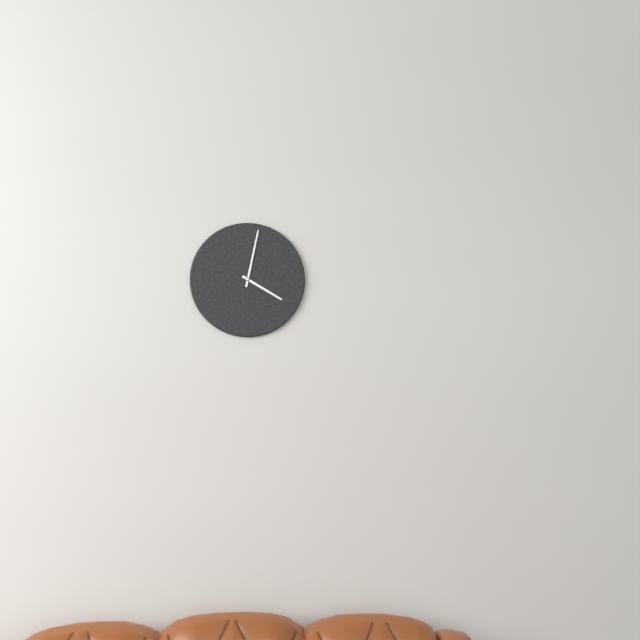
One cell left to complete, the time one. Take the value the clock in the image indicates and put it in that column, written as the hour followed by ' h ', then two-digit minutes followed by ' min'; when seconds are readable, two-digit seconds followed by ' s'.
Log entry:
4 h 02 min
